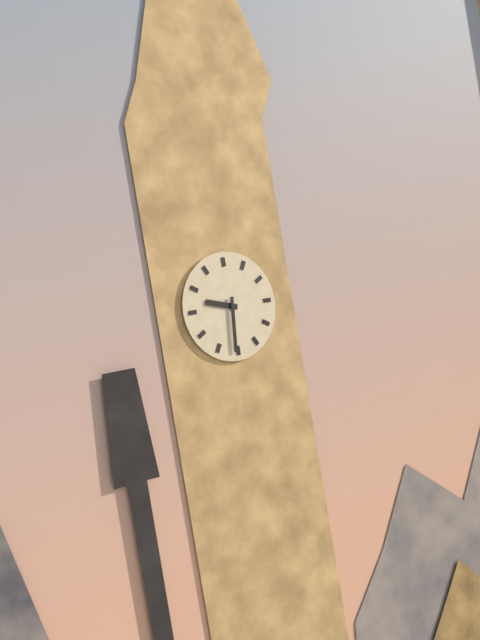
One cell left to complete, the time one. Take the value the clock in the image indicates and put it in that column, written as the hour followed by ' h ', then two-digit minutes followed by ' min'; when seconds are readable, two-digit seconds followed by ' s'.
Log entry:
9 h 31 min
